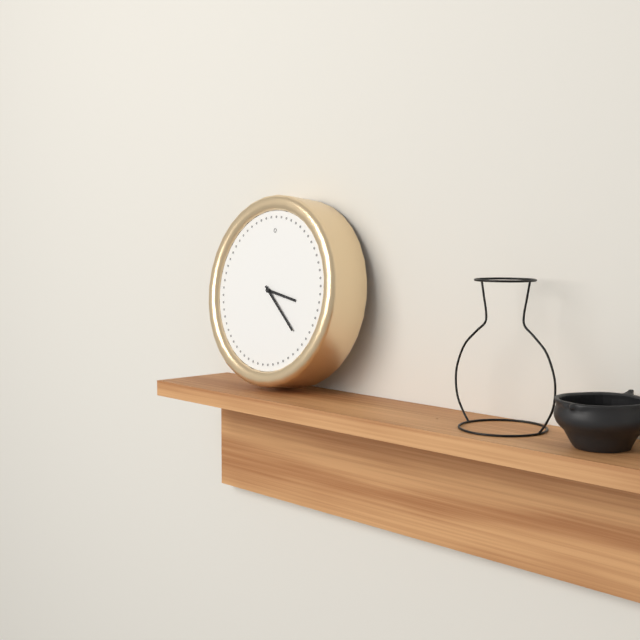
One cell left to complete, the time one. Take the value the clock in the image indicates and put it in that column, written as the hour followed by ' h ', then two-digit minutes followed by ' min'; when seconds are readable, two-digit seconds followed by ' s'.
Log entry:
3 h 22 min
